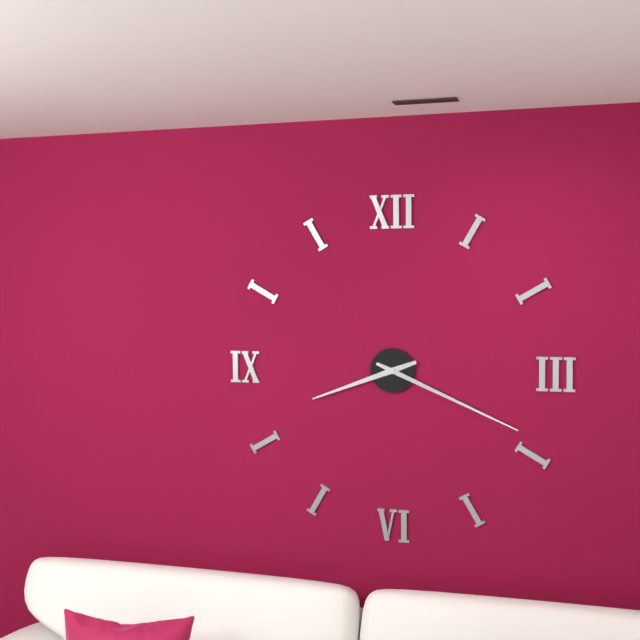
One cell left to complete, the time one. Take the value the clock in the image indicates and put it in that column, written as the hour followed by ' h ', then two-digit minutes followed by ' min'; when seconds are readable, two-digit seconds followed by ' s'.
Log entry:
8 h 19 min
